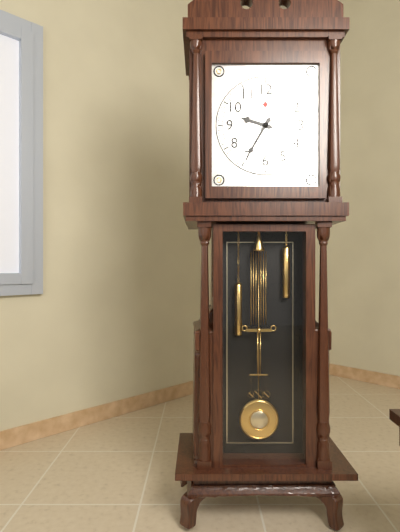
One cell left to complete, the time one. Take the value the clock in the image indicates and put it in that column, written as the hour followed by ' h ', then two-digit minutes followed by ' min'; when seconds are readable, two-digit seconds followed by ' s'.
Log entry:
9 h 35 min
